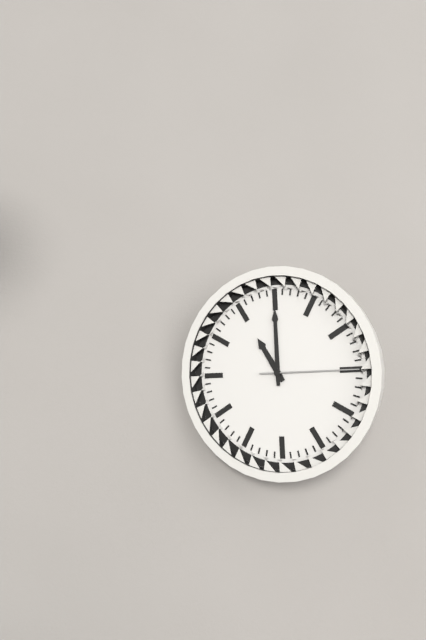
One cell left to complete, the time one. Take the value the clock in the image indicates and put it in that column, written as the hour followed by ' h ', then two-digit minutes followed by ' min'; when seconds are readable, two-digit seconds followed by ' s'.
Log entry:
11 h 00 min 15 s
